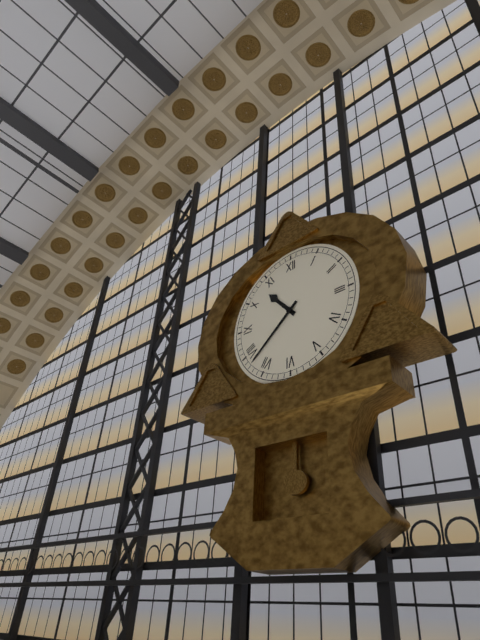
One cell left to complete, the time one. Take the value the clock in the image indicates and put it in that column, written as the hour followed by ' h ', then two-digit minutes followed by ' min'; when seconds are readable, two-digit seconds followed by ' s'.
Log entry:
10 h 38 min
